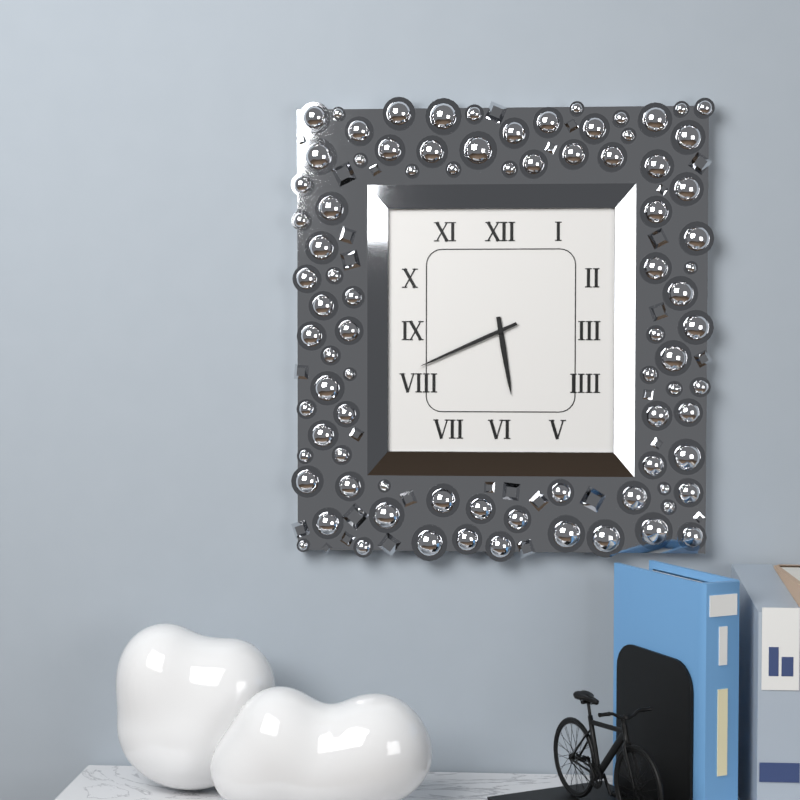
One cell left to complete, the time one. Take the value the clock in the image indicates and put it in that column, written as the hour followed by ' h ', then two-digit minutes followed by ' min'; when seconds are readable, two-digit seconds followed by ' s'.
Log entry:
5 h 41 min
